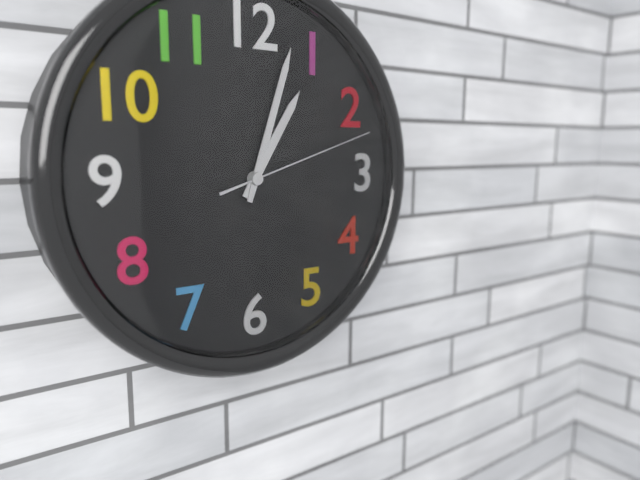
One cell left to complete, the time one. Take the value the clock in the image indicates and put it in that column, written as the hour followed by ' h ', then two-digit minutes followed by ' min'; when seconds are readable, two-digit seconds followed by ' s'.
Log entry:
1 h 03 min 12 s
